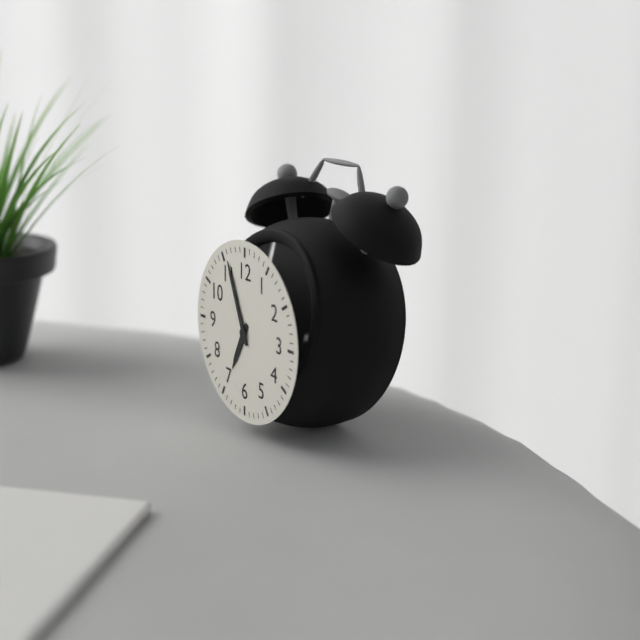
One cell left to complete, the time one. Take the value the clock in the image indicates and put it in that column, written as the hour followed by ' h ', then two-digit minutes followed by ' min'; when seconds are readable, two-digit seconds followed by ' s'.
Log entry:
6 h 56 min
